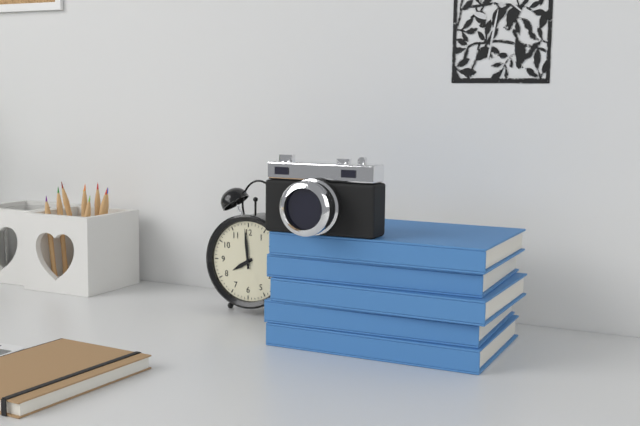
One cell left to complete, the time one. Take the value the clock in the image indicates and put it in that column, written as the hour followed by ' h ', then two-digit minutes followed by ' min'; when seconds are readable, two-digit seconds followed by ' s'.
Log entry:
7 h 59 min
